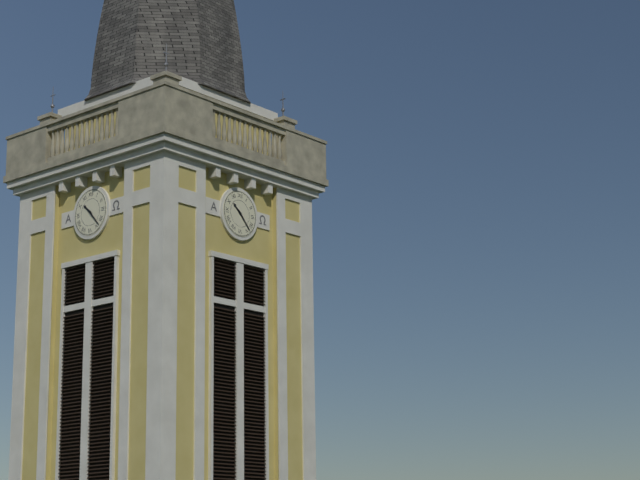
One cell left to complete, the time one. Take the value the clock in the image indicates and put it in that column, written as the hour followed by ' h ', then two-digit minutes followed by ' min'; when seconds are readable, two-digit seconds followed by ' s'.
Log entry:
10 h 23 min
